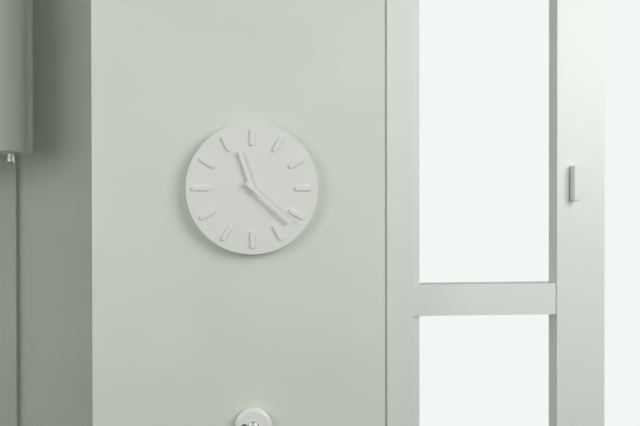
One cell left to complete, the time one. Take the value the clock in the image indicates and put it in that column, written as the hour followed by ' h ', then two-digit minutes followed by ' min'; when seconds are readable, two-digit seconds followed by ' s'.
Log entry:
11 h 22 min
